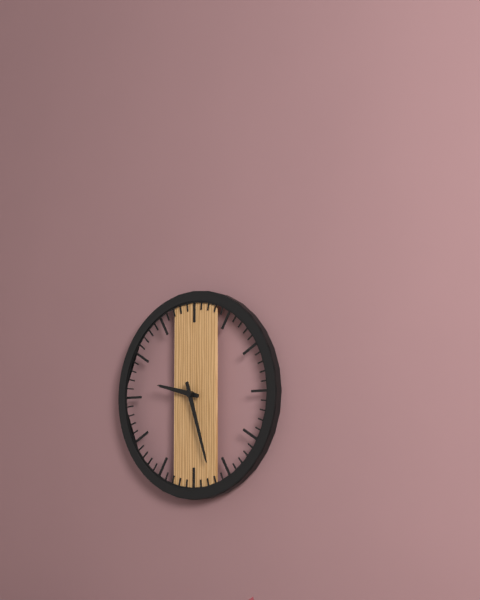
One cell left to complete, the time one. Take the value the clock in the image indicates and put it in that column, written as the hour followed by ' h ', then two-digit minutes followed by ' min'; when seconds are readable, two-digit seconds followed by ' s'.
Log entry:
9 h 27 min
